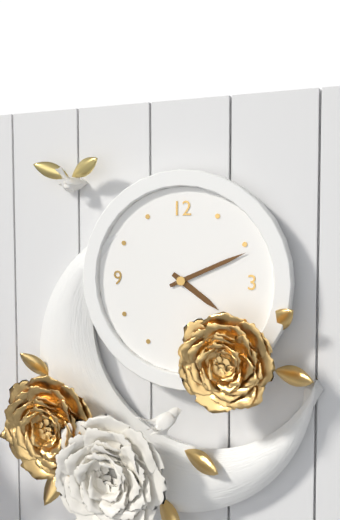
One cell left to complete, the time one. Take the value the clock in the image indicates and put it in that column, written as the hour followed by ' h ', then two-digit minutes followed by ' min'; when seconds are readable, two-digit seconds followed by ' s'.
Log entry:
4 h 11 min
